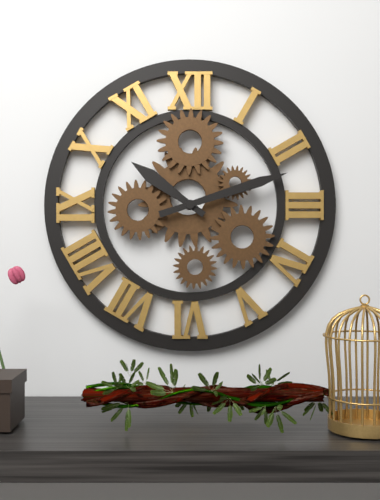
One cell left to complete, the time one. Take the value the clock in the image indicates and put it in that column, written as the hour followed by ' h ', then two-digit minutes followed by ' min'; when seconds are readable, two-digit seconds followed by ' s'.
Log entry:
10 h 12 min
